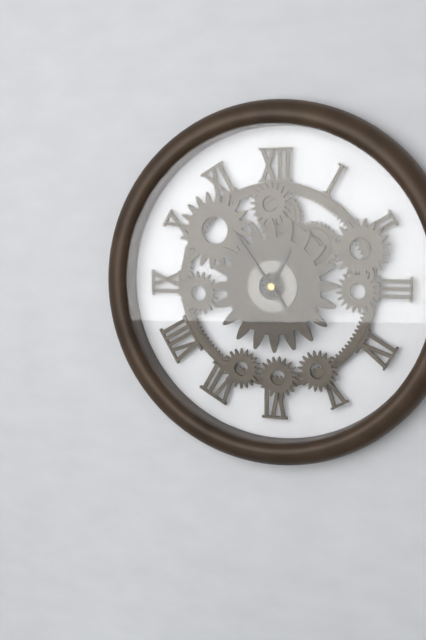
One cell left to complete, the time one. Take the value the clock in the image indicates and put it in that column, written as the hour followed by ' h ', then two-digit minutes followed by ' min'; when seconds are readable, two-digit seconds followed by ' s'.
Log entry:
12 h 54 min
